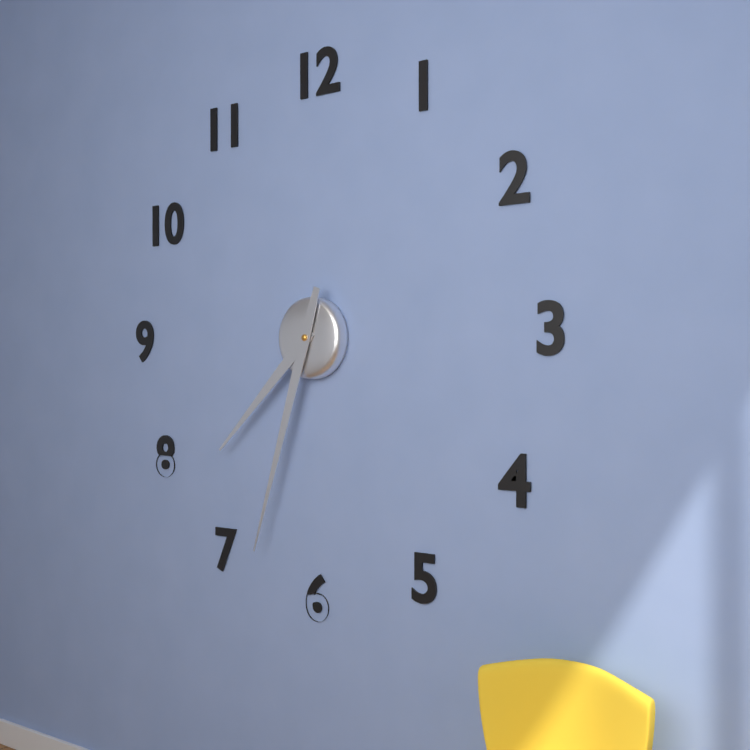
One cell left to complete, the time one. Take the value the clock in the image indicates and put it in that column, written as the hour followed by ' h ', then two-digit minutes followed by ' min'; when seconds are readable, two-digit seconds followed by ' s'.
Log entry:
7 h 33 min
